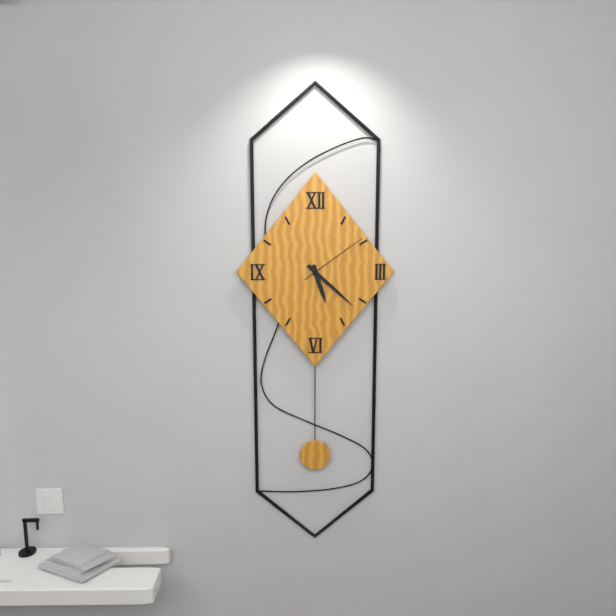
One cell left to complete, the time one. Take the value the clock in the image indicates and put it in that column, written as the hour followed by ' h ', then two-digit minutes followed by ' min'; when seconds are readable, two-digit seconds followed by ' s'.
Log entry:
5 h 22 min 09 s
